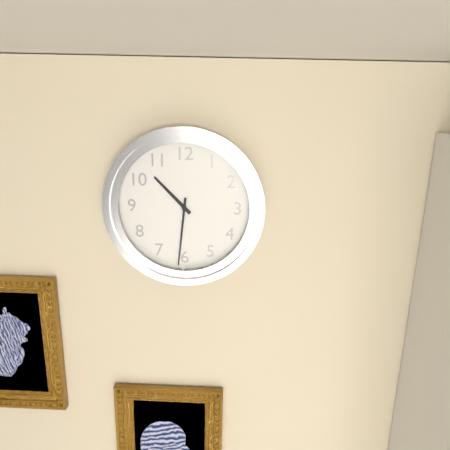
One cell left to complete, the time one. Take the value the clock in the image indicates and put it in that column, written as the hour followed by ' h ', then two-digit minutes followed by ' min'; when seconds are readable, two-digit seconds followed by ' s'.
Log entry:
10 h 31 min
